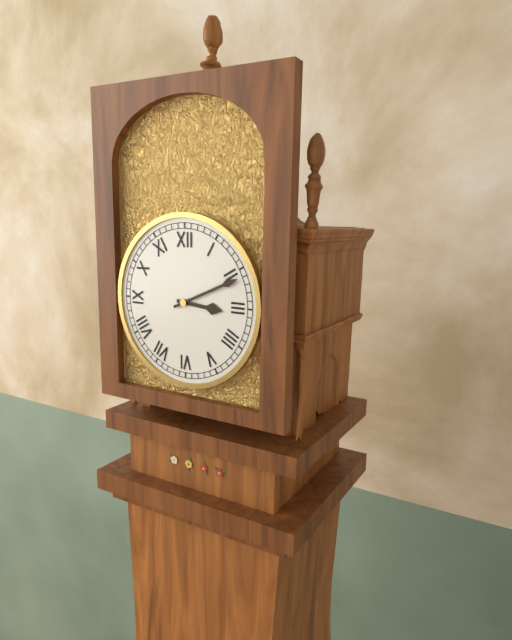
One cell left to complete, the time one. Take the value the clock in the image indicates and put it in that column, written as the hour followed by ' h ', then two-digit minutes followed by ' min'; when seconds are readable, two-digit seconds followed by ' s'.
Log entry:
3 h 11 min
